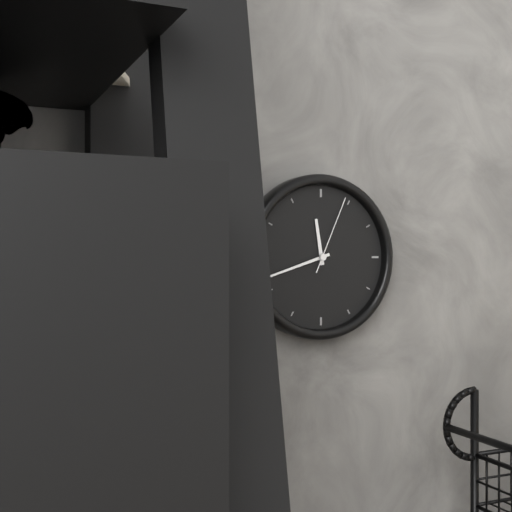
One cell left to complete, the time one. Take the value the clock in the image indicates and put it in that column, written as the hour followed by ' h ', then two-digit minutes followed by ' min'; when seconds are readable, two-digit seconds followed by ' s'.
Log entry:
11 h 42 min 04 s
